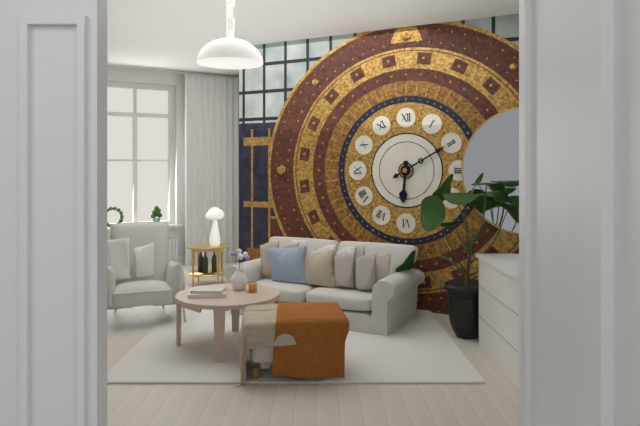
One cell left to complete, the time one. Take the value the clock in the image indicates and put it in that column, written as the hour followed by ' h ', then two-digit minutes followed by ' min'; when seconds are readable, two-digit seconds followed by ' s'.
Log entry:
6 h 10 min
